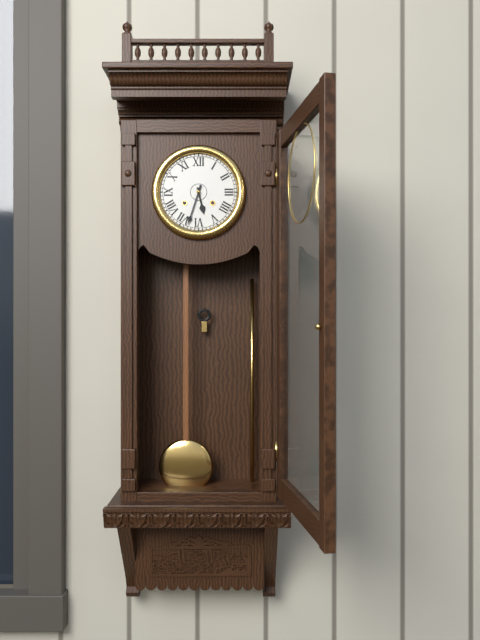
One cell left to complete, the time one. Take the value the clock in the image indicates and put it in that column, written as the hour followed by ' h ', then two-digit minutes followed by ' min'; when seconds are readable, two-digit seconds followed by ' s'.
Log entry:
5 h 33 min
